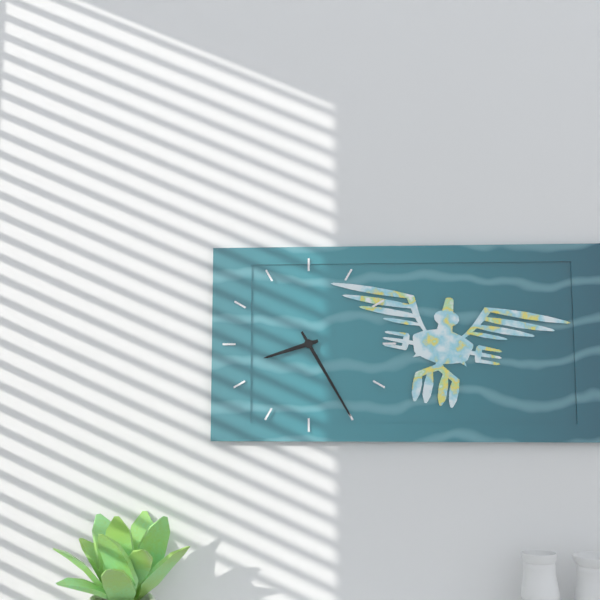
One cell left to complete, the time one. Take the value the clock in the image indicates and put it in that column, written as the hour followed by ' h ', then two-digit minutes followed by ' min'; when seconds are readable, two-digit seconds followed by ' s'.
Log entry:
8 h 25 min
